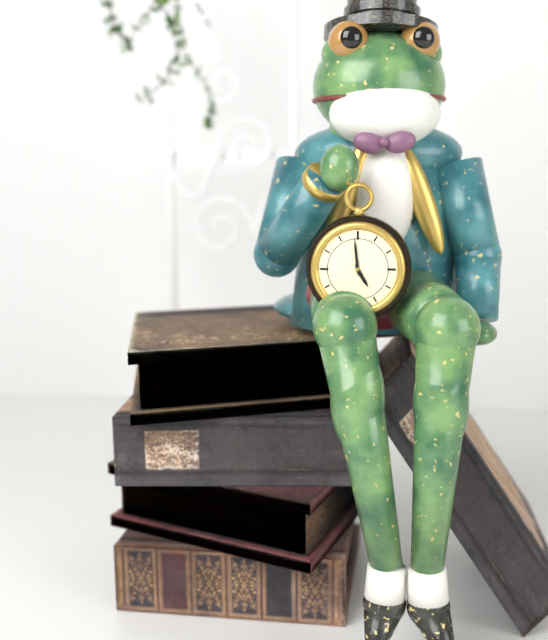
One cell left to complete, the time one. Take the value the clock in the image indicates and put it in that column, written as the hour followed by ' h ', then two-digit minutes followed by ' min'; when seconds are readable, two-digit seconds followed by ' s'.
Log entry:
4 h 59 min
